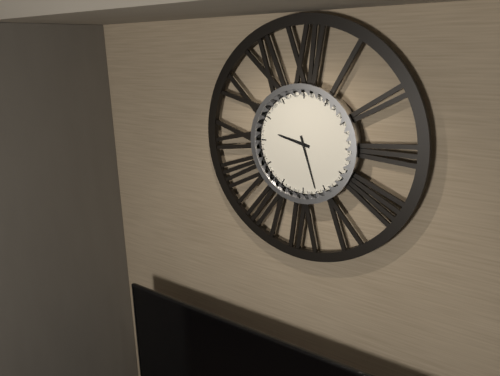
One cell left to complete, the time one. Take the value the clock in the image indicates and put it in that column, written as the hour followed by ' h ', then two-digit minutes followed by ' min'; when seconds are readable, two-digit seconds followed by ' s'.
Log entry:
9 h 27 min
